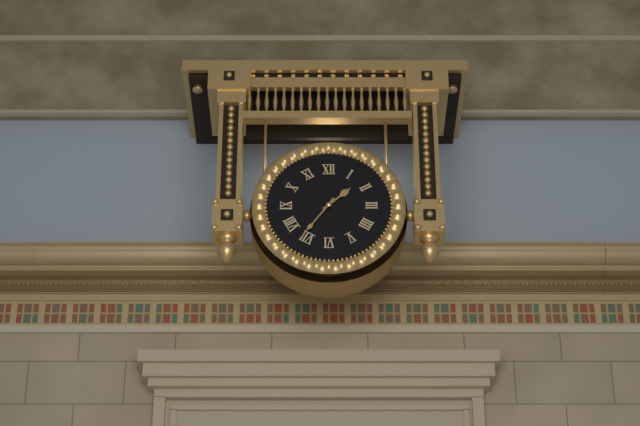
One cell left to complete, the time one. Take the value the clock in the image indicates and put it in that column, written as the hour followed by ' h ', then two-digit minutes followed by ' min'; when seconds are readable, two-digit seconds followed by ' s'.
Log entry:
1 h 36 min
